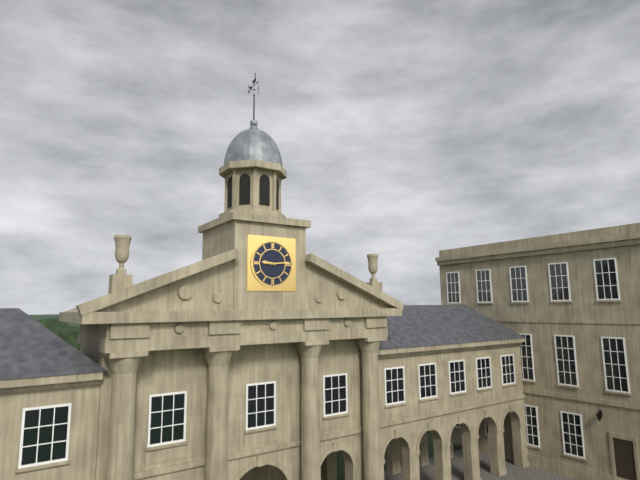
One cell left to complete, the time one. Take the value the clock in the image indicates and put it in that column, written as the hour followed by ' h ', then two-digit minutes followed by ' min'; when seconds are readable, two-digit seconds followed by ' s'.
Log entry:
9 h 14 min
